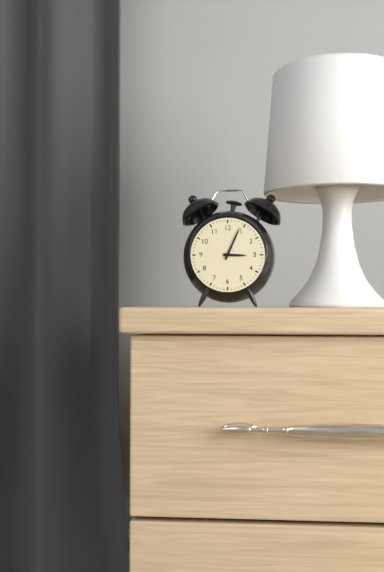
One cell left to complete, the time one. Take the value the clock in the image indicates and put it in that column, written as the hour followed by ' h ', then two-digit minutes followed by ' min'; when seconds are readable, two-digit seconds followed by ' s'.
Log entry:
3 h 04 min
